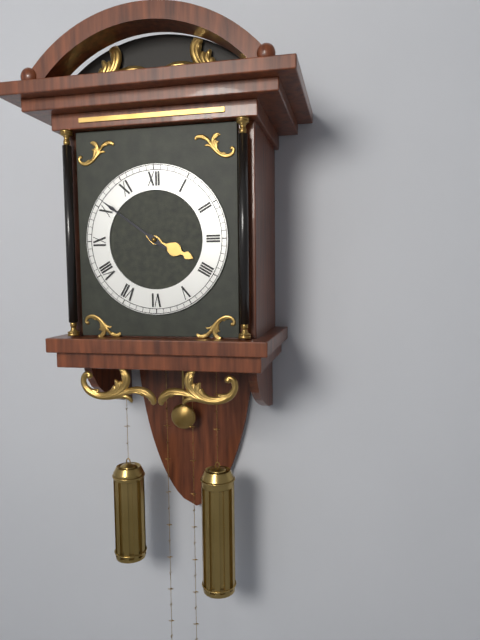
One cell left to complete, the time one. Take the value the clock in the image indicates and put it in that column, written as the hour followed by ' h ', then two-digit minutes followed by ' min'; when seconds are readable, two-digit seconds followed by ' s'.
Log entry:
3 h 51 min
